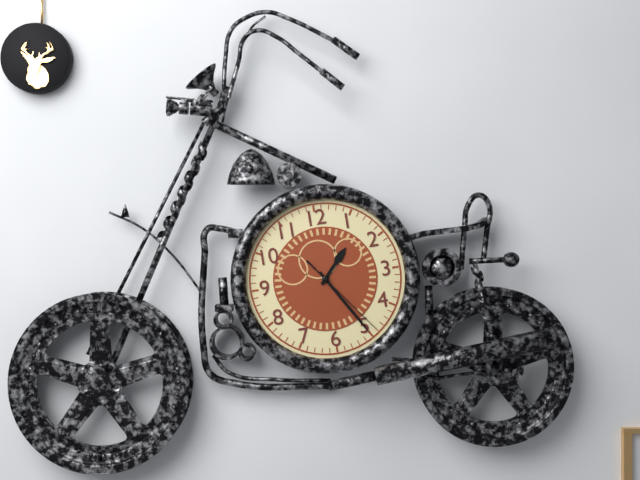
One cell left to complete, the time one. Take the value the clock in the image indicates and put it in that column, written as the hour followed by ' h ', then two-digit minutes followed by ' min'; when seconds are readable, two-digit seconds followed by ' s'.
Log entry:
1 h 25 min 24 s
